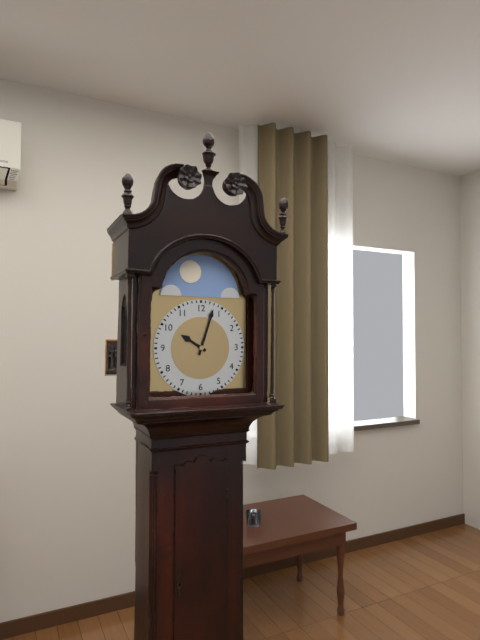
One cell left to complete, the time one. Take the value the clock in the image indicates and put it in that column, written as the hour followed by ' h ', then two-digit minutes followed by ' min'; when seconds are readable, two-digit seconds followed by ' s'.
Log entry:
10 h 03 min
